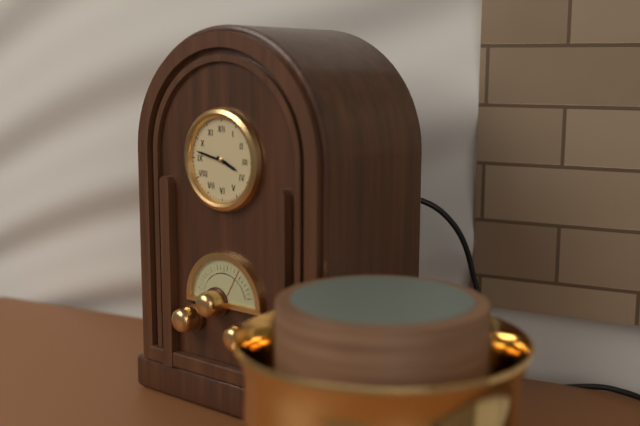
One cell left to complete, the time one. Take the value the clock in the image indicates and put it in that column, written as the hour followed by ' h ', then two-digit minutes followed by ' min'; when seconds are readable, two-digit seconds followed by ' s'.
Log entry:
3 h 47 min
